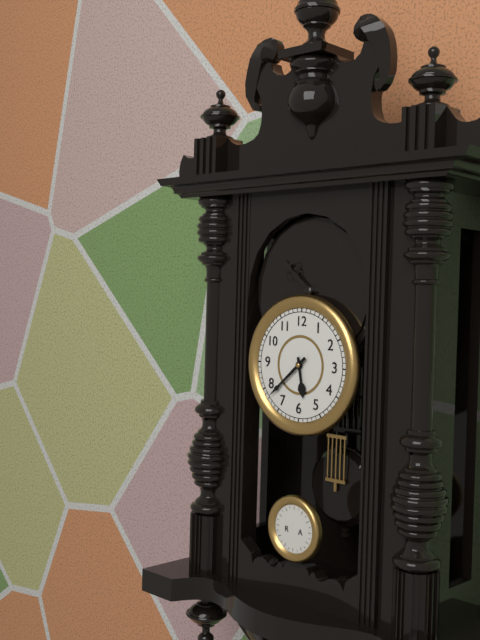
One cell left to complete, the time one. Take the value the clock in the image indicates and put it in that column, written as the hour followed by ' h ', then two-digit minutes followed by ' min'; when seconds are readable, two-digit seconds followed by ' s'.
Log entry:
5 h 38 min
